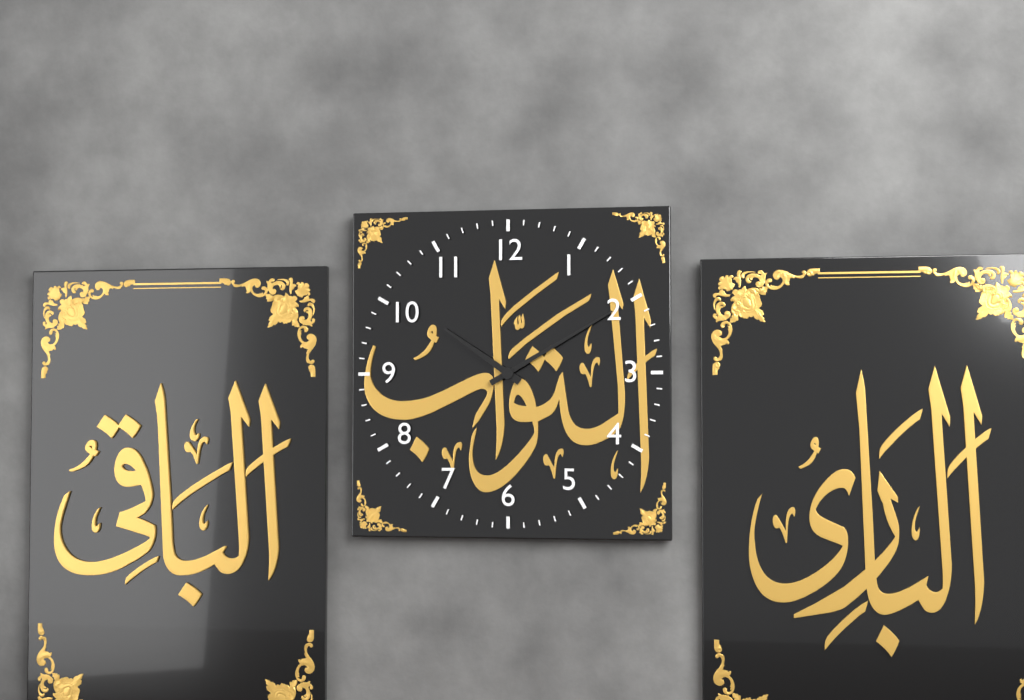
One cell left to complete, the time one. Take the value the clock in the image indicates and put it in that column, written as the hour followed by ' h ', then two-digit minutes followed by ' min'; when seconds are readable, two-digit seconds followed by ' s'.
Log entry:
10 h 10 min
